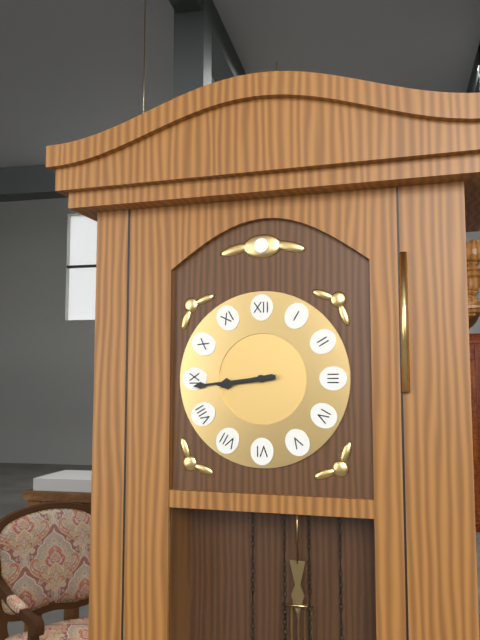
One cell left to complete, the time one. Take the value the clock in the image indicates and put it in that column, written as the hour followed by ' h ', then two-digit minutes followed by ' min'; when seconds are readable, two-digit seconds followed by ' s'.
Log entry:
8 h 44 min
